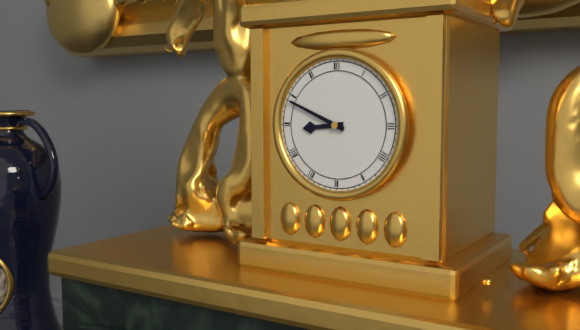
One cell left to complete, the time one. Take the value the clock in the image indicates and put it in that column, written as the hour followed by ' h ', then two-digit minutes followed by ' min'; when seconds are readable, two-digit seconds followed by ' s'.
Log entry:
8 h 49 min
